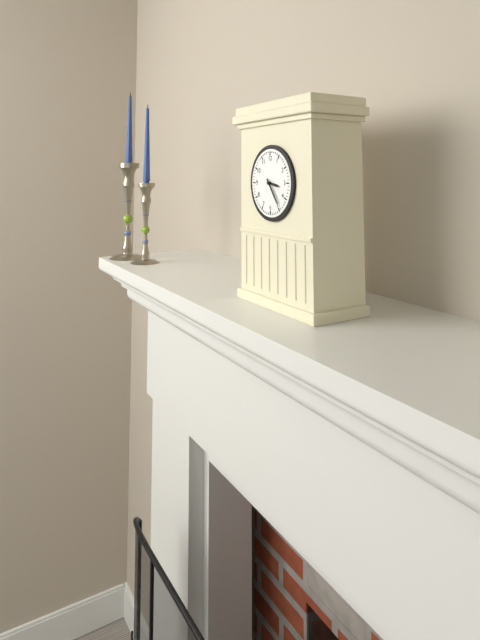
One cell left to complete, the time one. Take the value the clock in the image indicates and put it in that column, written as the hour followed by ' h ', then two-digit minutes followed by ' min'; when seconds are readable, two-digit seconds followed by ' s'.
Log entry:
3 h 24 min
